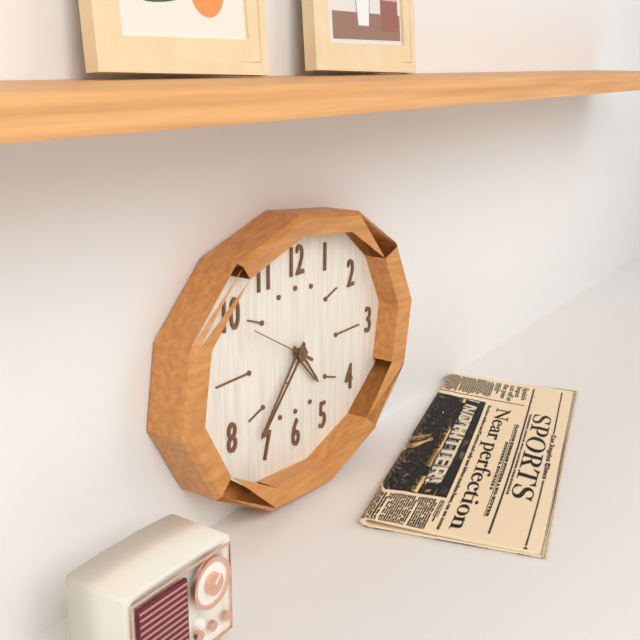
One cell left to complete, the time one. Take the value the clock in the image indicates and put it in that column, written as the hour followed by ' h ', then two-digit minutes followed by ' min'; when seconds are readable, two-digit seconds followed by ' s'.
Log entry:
4 h 37 min 50 s
